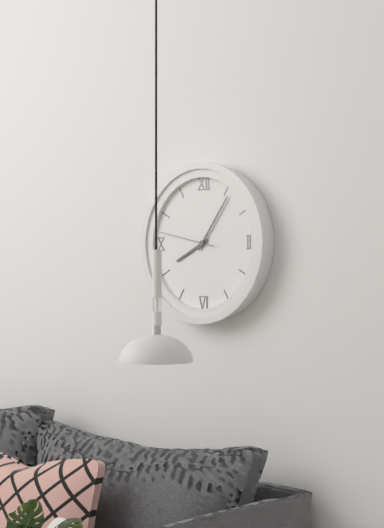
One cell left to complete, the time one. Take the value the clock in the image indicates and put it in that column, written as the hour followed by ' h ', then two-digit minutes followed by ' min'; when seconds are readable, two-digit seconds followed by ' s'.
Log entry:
8 h 06 min 47 s
